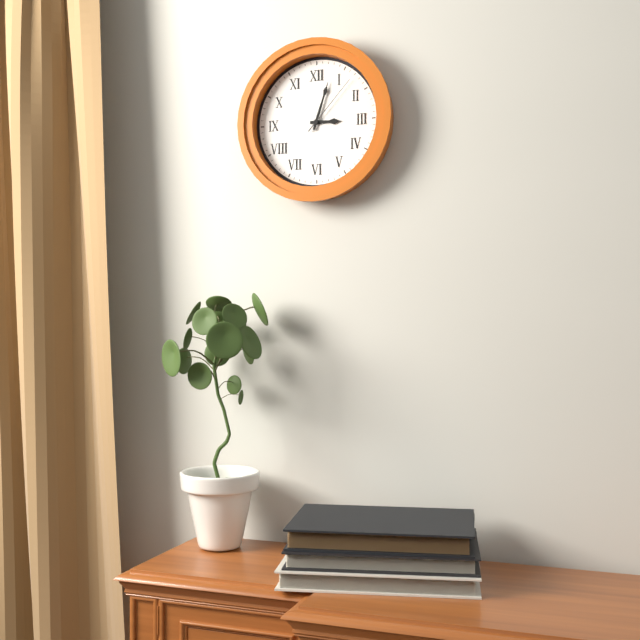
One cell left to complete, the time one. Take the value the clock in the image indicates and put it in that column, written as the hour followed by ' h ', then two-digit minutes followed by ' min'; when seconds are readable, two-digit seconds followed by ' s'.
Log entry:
3 h 03 min 07 s
